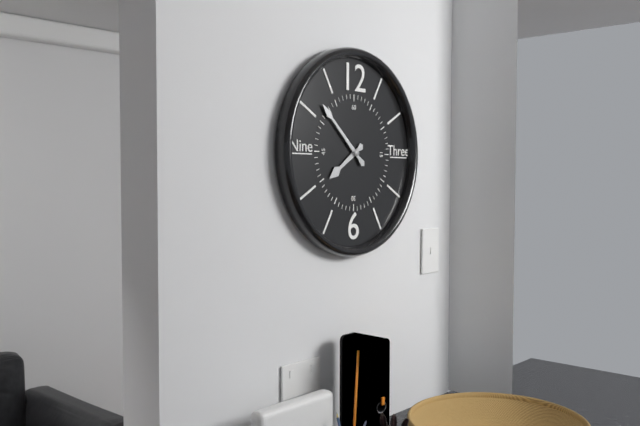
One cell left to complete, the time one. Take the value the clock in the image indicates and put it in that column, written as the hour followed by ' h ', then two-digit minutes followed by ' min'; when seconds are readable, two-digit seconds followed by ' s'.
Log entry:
7 h 52 min
